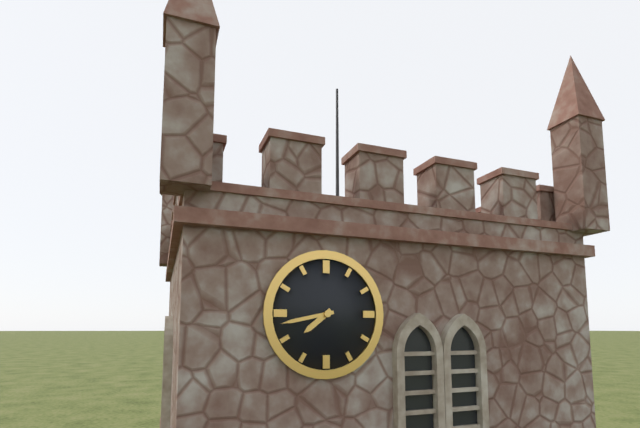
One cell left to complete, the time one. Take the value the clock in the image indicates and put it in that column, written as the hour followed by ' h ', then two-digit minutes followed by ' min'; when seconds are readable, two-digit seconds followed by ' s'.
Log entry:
7 h 43 min
